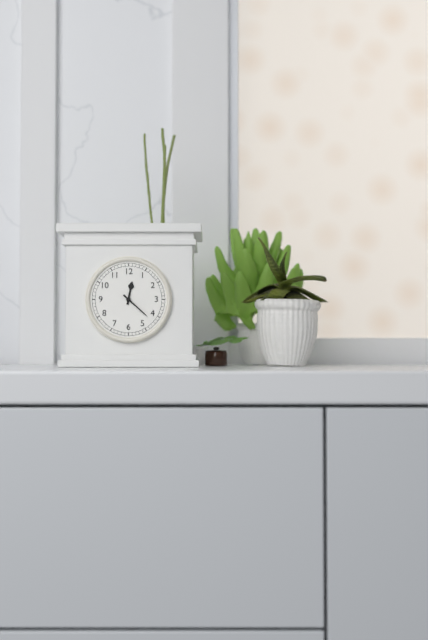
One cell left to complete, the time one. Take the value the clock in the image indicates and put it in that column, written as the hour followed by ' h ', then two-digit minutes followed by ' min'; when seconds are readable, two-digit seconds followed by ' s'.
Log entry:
12 h 22 min
